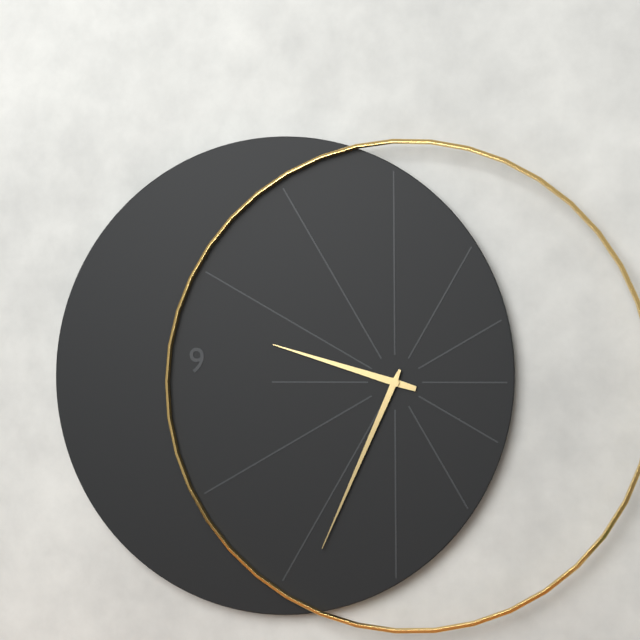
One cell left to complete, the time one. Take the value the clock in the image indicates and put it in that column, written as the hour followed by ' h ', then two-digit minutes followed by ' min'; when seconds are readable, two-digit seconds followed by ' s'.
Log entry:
9 h 34 min
